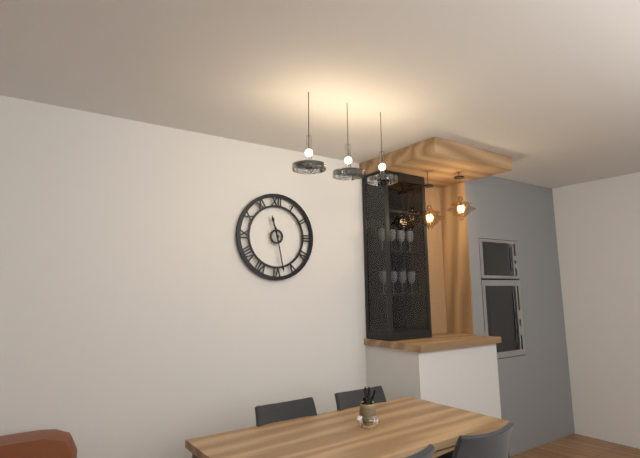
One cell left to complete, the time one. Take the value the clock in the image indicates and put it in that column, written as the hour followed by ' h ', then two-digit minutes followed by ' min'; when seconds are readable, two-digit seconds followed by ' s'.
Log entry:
11 h 28 min
